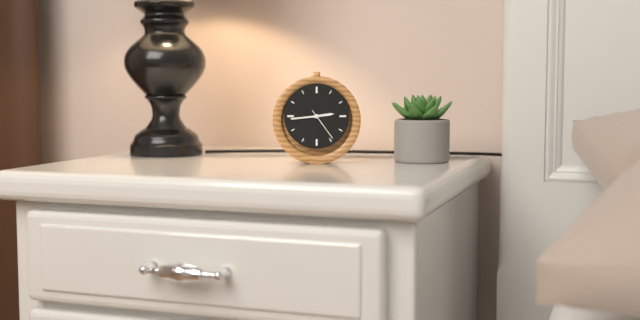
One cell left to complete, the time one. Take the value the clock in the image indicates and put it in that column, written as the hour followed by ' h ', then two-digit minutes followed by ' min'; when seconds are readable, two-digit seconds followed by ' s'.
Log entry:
2 h 44 min
